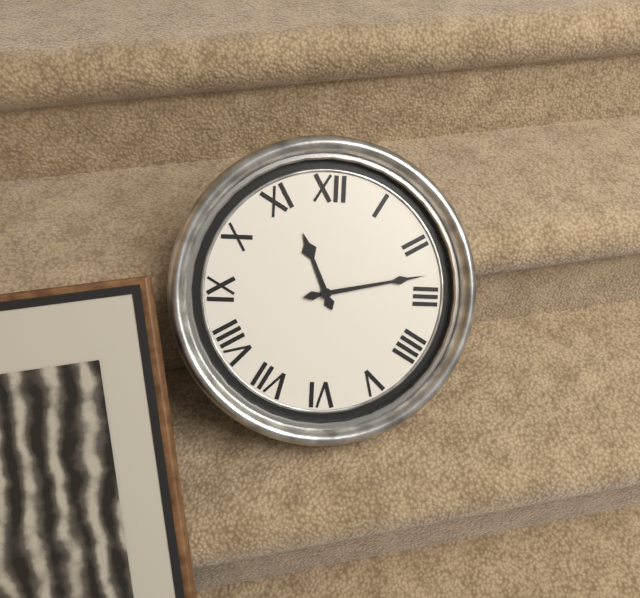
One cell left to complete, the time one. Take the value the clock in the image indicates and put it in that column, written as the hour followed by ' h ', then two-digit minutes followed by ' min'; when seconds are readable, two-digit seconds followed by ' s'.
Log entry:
11 h 13 min
